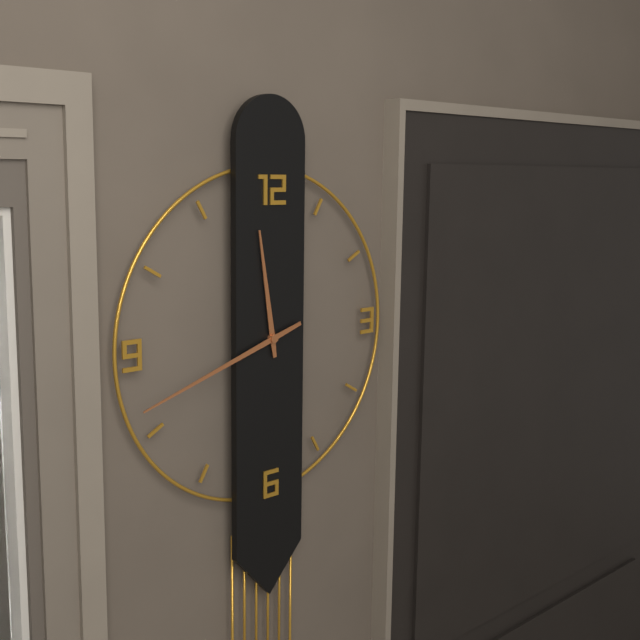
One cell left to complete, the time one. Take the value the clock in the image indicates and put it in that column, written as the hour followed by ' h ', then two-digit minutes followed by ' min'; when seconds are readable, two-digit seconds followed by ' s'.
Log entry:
11 h 42 min
